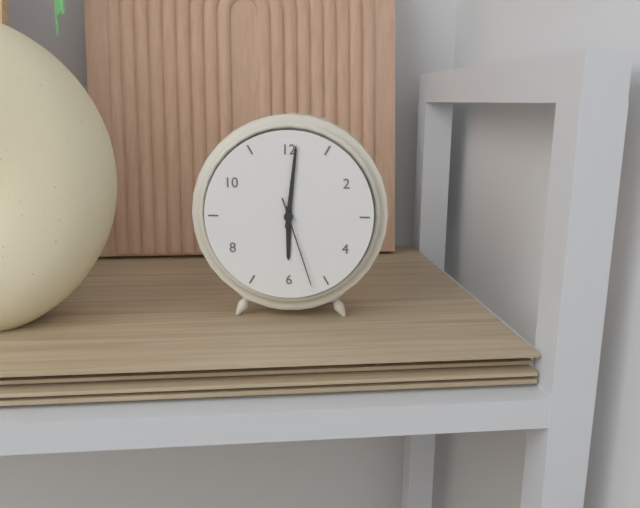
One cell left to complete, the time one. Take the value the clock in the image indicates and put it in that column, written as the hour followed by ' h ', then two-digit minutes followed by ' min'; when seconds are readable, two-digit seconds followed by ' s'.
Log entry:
6 h 01 min 27 s
